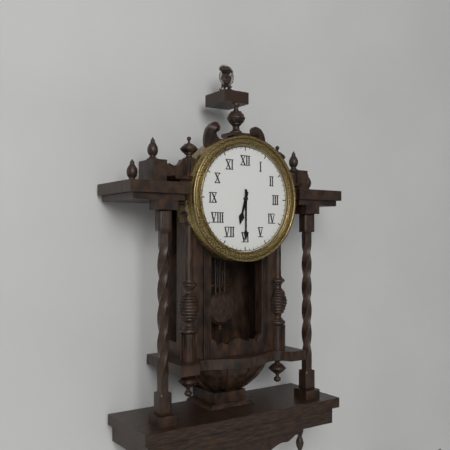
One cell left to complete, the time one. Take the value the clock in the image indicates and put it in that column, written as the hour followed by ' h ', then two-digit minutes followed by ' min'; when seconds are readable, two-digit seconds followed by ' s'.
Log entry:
6 h 30 min
